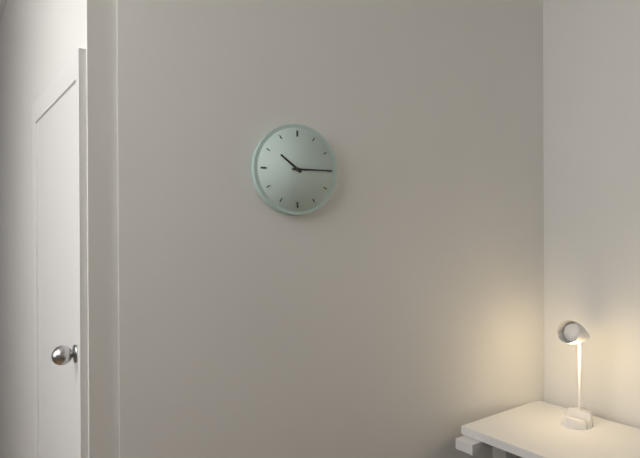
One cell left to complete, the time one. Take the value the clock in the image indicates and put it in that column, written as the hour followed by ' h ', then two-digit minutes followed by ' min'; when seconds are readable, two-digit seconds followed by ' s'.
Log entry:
10 h 15 min
